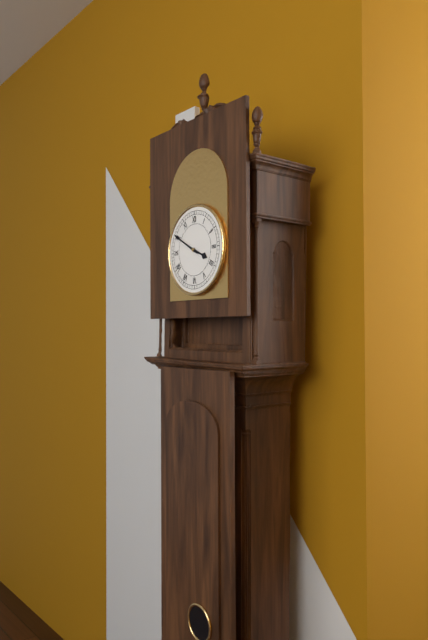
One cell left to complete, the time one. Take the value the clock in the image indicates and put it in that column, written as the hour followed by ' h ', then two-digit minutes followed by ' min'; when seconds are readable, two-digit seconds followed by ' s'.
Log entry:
3 h 50 min
